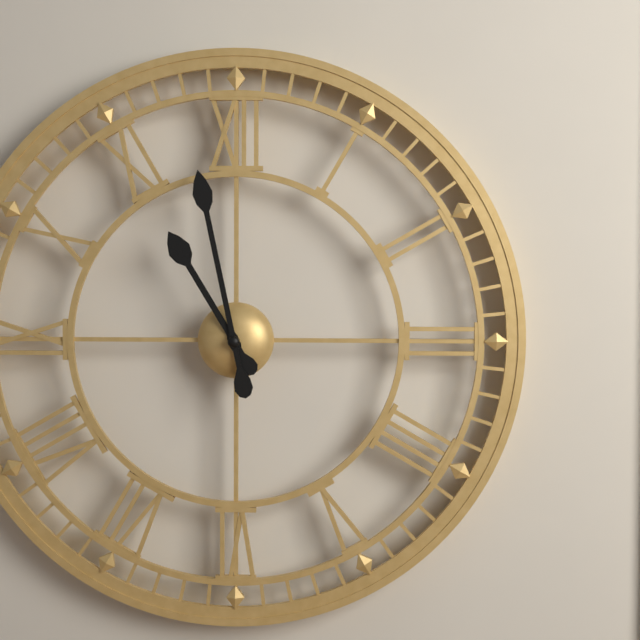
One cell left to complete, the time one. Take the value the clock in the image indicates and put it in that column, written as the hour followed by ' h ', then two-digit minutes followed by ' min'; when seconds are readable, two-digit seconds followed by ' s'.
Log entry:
10 h 58 min
